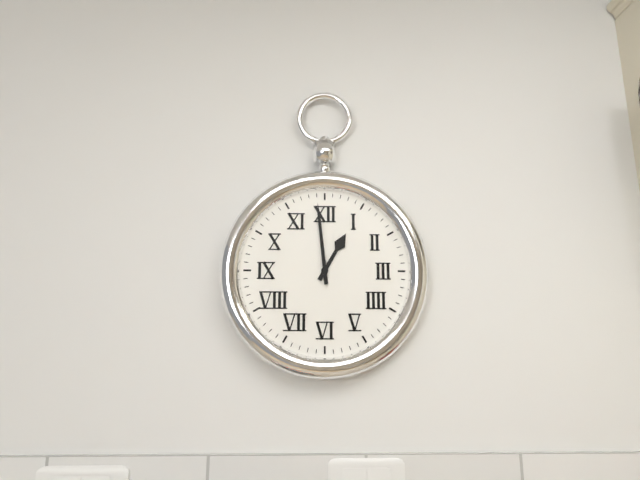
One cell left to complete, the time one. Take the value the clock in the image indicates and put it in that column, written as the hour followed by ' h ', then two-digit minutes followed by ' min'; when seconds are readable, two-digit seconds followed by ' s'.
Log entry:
12 h 59 min
